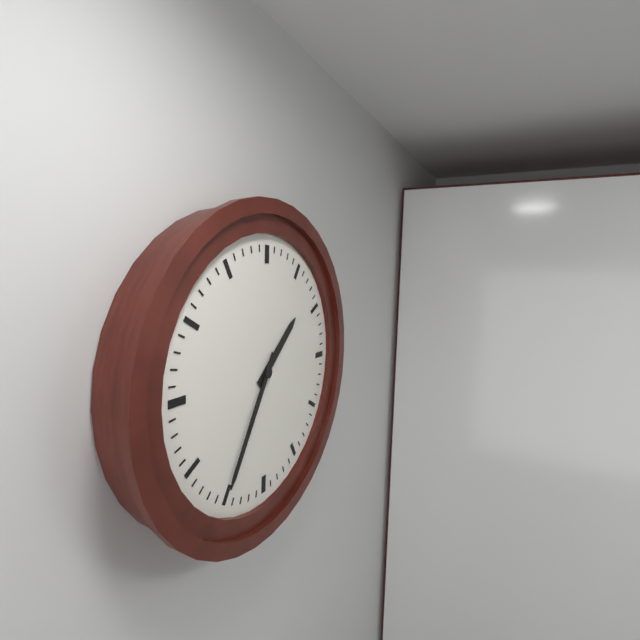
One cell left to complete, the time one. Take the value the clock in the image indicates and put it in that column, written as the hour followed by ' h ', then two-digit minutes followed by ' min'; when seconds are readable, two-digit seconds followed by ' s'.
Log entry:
1 h 35 min
